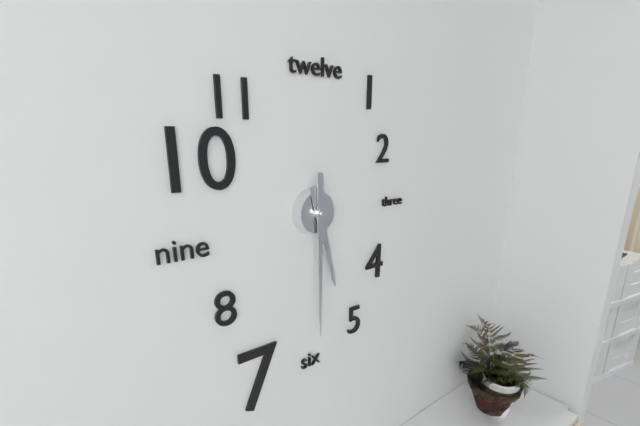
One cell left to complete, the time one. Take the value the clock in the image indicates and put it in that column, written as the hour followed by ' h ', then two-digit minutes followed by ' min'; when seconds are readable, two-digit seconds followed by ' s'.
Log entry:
5 h 30 min
